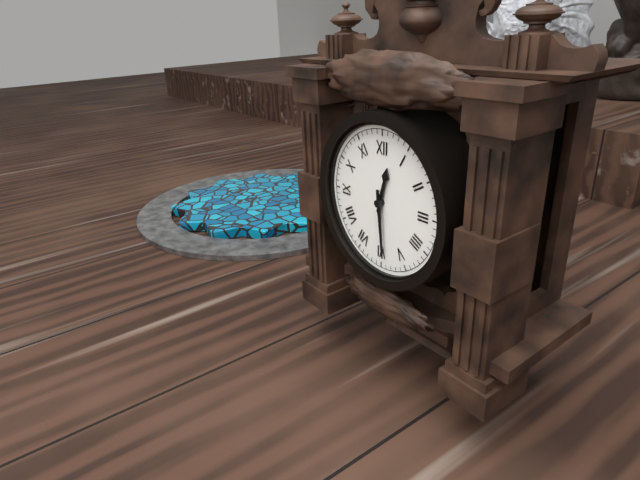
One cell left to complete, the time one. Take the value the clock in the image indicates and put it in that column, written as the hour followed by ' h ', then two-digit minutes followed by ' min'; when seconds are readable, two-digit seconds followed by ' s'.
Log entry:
12 h 29 min
